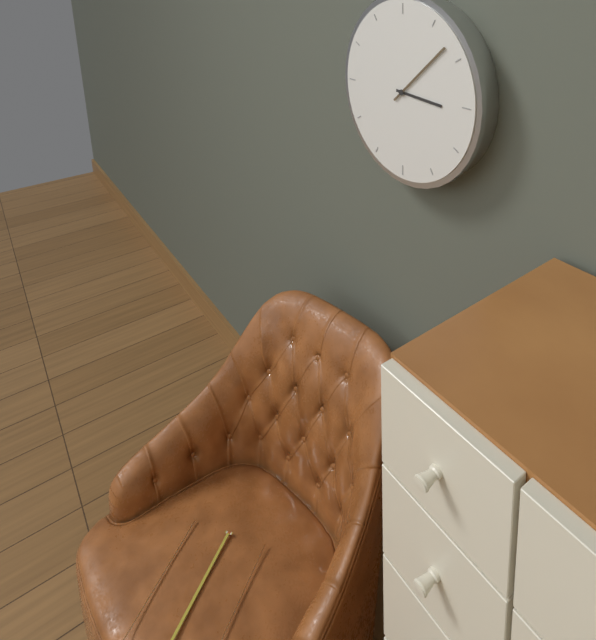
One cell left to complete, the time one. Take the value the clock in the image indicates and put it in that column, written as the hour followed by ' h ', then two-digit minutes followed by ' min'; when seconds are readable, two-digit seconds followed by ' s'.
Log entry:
3 h 08 min
